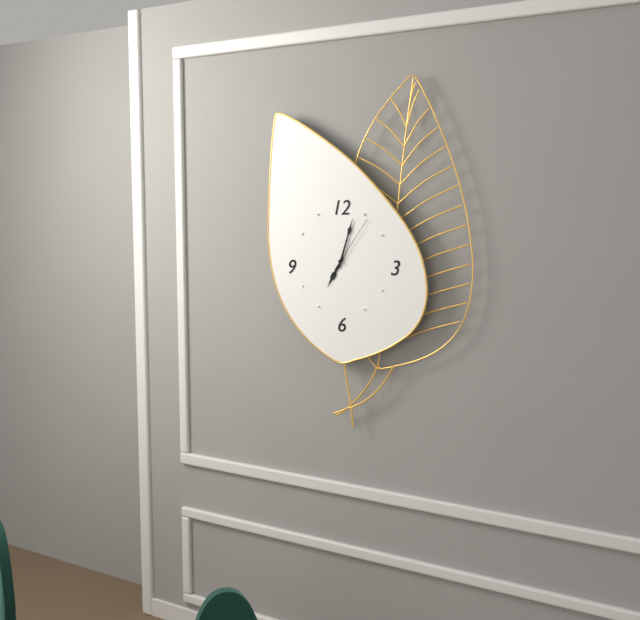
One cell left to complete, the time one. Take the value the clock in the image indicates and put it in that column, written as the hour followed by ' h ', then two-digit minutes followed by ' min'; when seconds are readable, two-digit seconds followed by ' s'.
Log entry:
7 h 03 min 06 s
